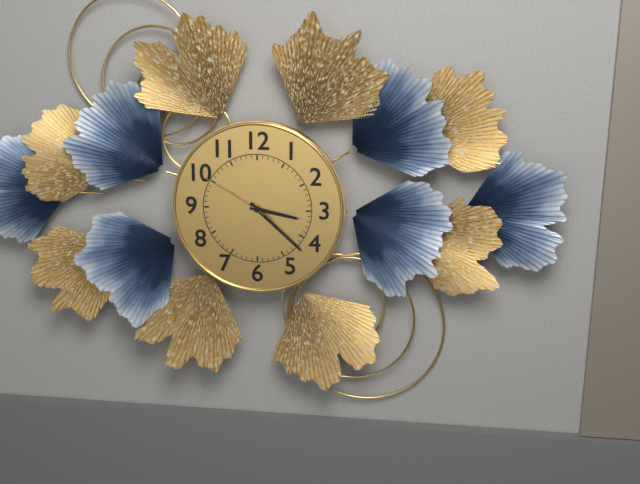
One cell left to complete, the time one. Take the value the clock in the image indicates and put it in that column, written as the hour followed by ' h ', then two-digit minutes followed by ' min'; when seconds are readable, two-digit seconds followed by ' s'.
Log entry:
3 h 22 min 50 s
